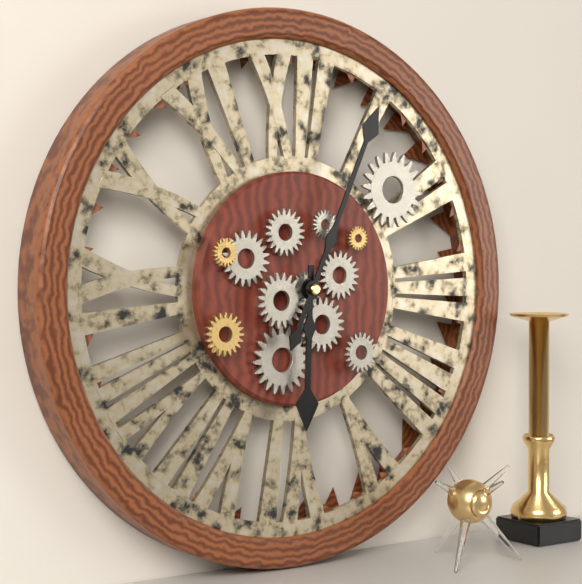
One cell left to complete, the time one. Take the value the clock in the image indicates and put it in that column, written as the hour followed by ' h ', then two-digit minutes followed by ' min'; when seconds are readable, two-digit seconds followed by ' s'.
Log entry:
6 h 04 min
